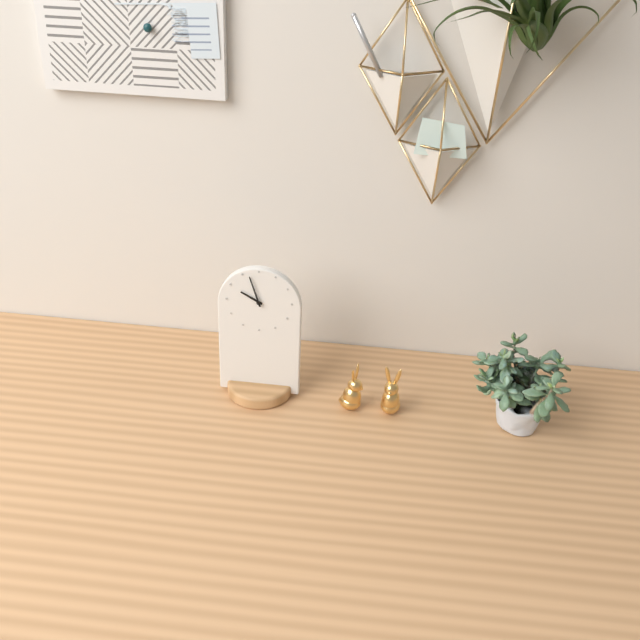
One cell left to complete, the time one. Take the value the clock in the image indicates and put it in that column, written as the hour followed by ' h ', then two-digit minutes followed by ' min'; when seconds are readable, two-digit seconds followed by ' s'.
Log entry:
9 h 57 min
